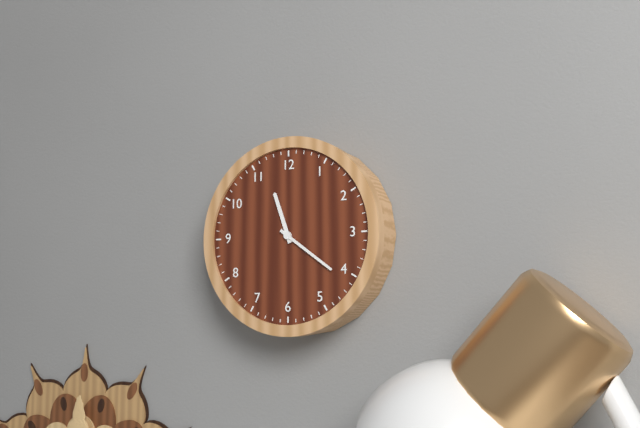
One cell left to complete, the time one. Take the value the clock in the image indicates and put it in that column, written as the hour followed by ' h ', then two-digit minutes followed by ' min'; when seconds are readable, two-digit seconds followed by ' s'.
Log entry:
11 h 21 min
